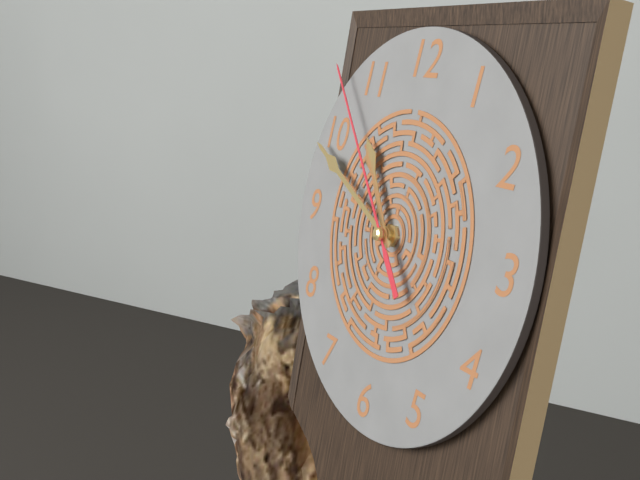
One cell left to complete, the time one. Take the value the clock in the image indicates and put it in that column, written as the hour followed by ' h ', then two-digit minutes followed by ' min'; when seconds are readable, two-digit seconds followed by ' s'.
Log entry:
10 h 49 min 53 s
